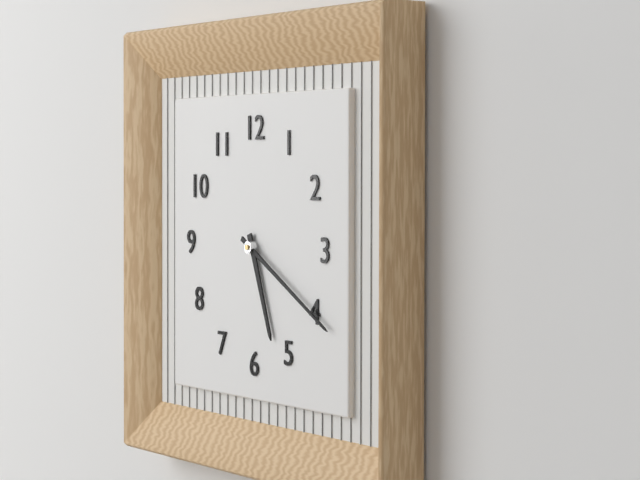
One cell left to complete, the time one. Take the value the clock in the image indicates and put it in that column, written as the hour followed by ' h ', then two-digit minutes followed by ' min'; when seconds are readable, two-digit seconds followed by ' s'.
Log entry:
5 h 20 min
